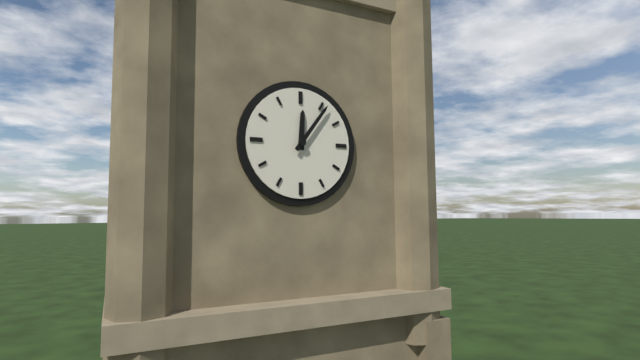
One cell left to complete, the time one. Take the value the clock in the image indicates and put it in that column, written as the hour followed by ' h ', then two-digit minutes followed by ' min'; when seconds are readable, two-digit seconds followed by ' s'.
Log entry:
12 h 06 min
